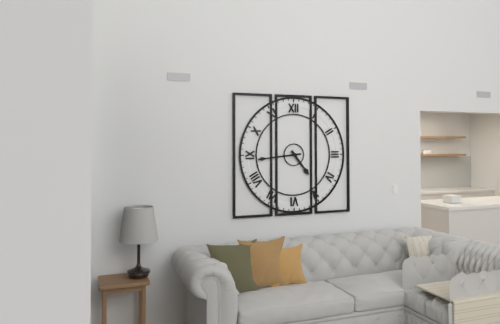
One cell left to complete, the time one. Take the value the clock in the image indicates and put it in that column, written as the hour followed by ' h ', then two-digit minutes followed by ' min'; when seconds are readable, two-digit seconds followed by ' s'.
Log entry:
4 h 44 min
